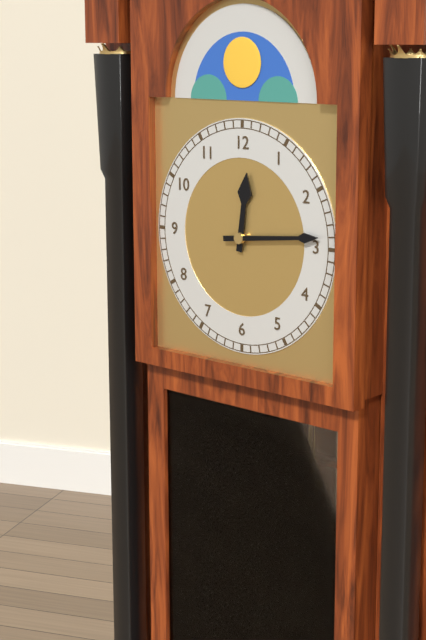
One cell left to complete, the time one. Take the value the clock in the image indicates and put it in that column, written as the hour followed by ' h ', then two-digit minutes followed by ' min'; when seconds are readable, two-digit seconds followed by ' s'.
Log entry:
12 h 14 min
